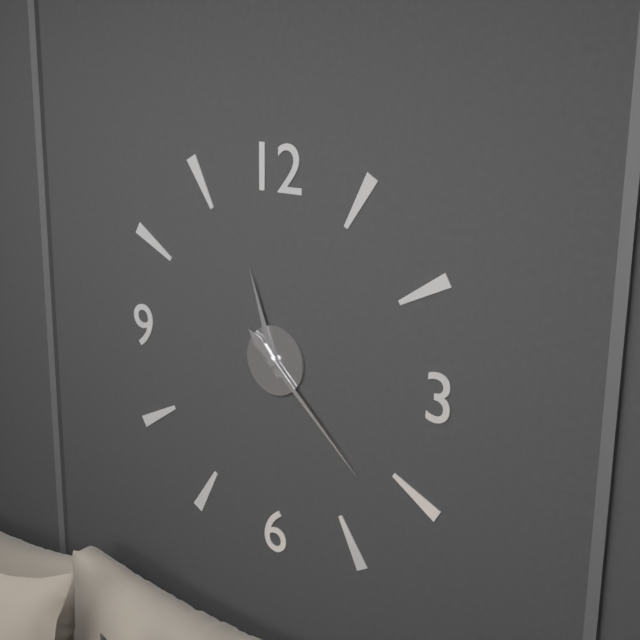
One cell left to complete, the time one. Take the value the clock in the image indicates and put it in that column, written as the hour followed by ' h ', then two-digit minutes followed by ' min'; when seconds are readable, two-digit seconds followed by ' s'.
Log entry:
11 h 22 min
